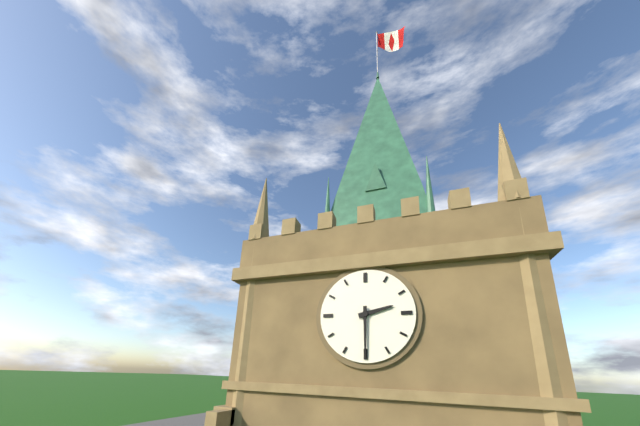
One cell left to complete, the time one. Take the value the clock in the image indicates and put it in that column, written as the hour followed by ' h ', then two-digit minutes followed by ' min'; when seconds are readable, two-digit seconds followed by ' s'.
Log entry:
2 h 30 min
